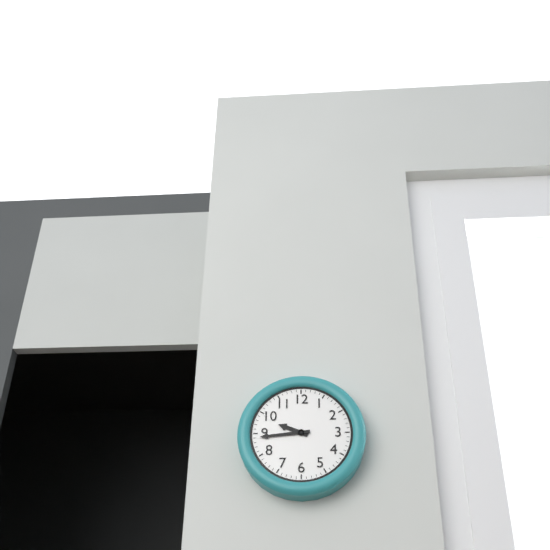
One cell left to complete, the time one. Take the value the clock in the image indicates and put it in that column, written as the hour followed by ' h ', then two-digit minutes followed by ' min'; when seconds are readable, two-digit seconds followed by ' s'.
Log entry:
9 h 44 min
